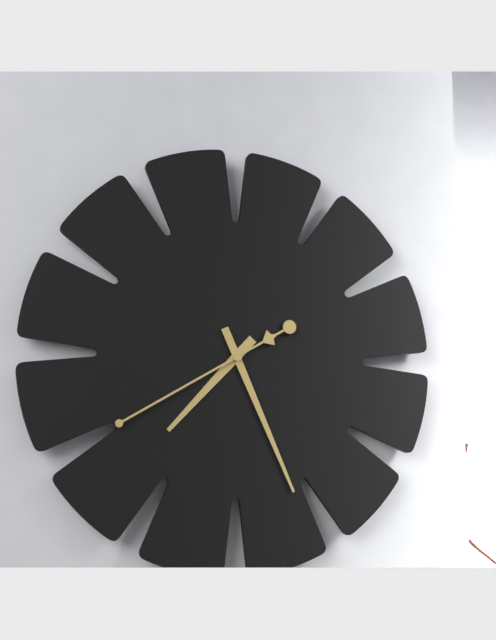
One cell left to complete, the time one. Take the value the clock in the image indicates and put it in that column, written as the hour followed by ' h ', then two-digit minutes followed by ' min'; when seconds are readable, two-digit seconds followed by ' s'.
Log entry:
7 h 26 min 40 s
